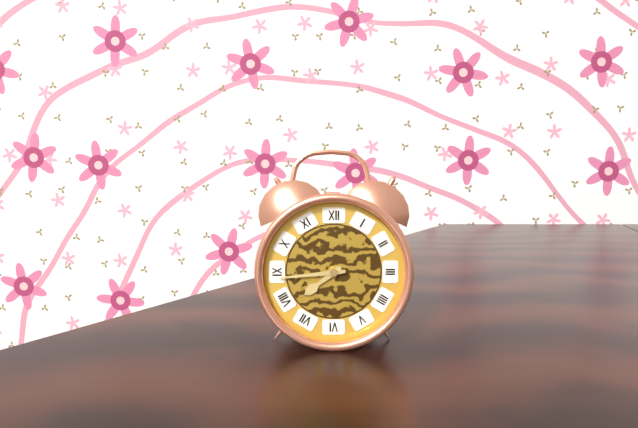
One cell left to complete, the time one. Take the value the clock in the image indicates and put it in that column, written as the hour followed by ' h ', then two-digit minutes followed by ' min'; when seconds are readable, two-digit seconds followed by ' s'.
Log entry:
7 h 44 min
